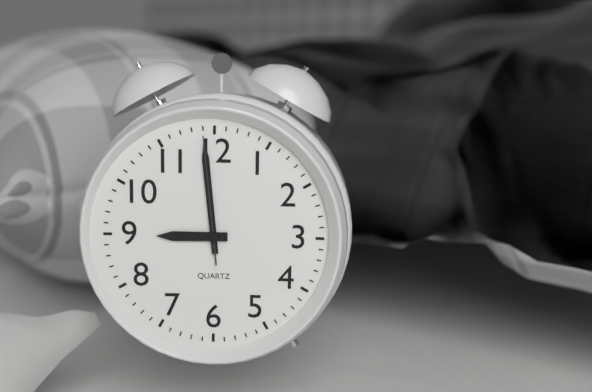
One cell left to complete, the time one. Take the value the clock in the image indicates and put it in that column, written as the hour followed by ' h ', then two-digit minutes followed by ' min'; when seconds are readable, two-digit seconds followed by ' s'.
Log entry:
8 h 59 min 59 s
